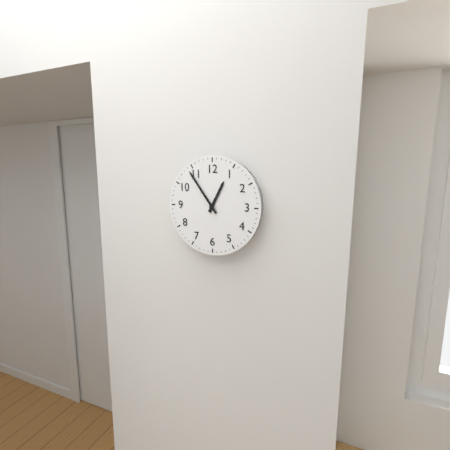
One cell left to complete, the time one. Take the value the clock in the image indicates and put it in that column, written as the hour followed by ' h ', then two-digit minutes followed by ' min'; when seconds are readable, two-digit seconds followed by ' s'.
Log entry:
12 h 54 min
